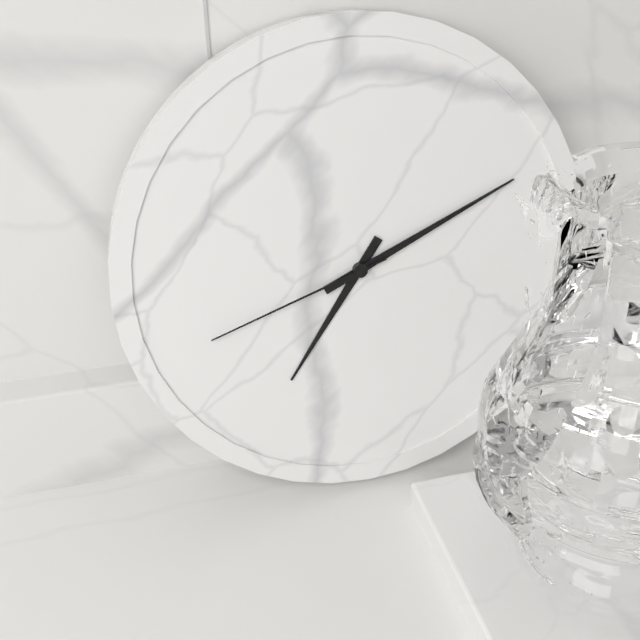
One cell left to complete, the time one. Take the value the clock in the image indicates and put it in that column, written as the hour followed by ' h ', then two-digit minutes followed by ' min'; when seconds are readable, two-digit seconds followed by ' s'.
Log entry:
7 h 11 min 42 s
